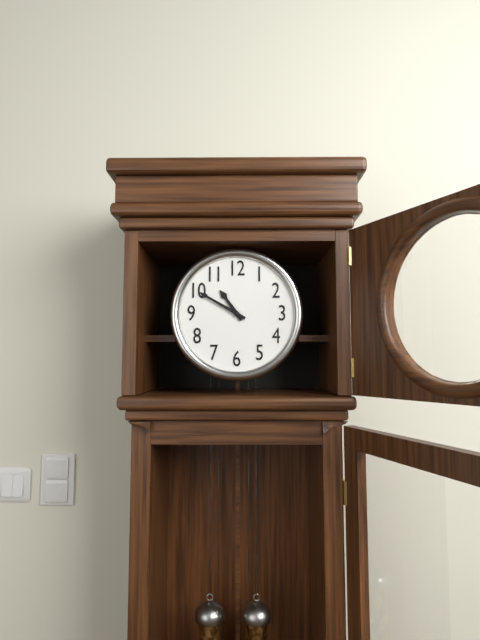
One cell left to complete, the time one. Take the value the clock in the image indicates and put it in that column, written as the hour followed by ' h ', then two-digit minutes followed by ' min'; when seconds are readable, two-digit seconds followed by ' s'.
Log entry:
10 h 50 min
